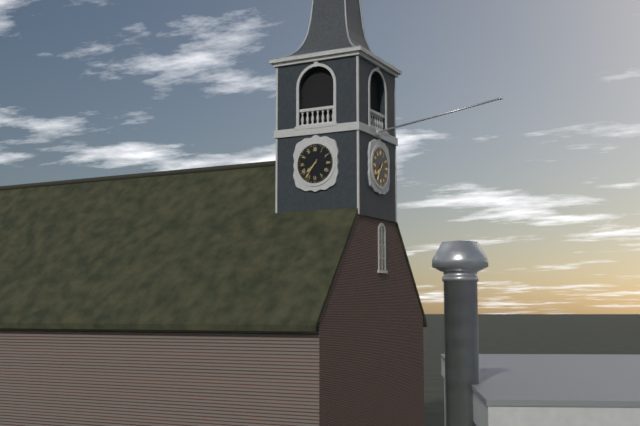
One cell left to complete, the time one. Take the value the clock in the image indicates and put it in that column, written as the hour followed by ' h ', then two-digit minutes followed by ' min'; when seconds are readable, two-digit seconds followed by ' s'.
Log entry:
7 h 36 min
